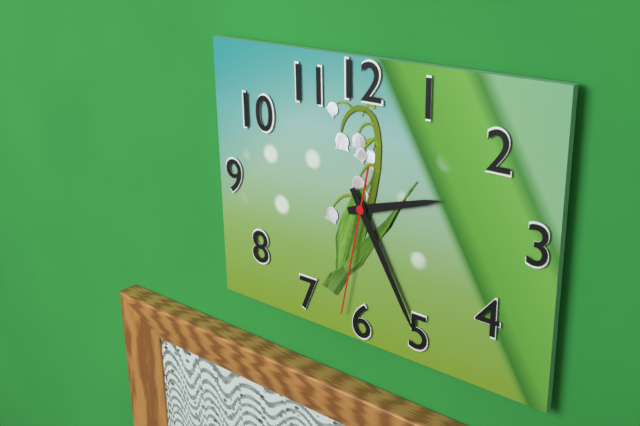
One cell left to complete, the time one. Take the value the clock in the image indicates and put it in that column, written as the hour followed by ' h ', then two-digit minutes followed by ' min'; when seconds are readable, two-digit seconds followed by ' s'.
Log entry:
2 h 25 min 32 s
